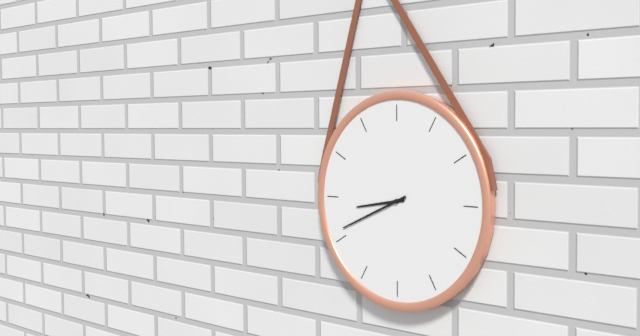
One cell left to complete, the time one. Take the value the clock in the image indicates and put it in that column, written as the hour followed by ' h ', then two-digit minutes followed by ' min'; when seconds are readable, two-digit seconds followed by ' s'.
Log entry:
8 h 41 min
